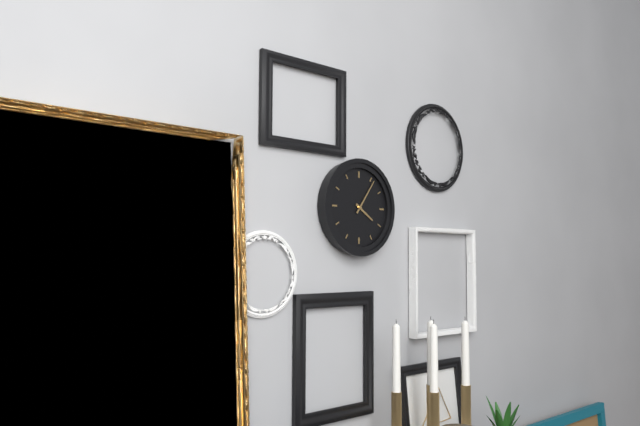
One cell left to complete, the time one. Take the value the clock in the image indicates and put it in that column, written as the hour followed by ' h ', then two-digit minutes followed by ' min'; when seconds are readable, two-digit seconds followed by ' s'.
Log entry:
4 h 06 min
